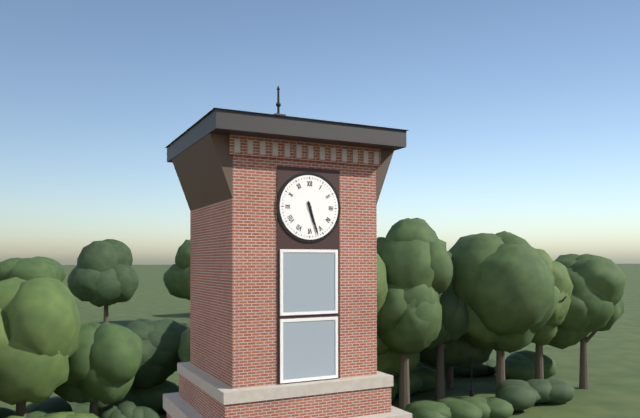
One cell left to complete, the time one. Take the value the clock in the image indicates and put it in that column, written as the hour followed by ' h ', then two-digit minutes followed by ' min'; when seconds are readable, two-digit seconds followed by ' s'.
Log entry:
5 h 27 min
